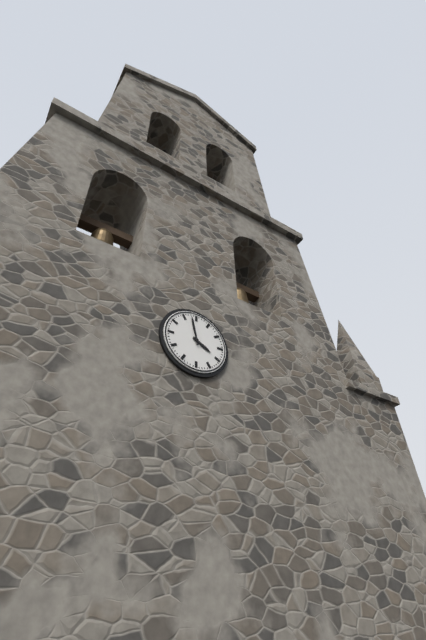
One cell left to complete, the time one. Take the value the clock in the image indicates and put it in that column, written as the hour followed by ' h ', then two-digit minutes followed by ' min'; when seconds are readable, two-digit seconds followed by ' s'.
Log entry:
3 h 58 min
